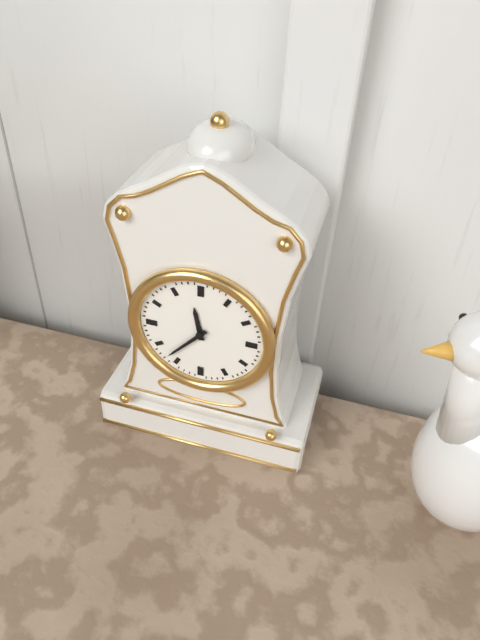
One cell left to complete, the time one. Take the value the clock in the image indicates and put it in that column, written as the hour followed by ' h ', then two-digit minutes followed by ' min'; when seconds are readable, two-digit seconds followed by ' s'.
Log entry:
11 h 37 min
